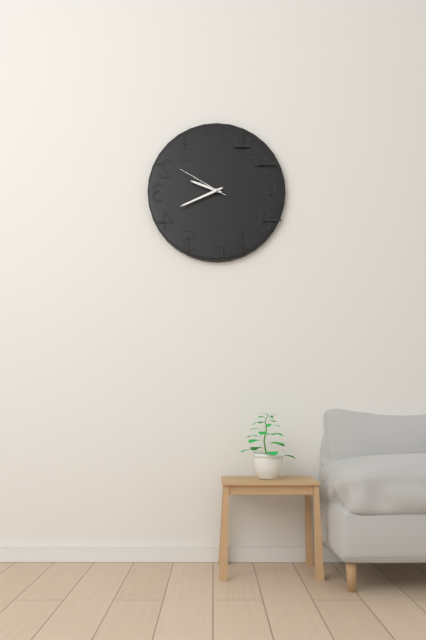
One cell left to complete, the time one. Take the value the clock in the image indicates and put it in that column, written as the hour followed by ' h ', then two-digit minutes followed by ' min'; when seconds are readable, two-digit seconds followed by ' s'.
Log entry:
9 h 41 min 50 s
